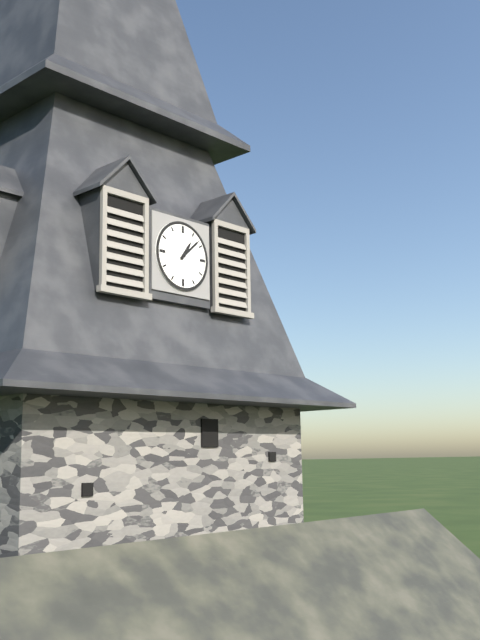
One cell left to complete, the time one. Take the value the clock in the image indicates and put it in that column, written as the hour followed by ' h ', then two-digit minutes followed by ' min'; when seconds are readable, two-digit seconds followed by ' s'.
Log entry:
1 h 08 min
